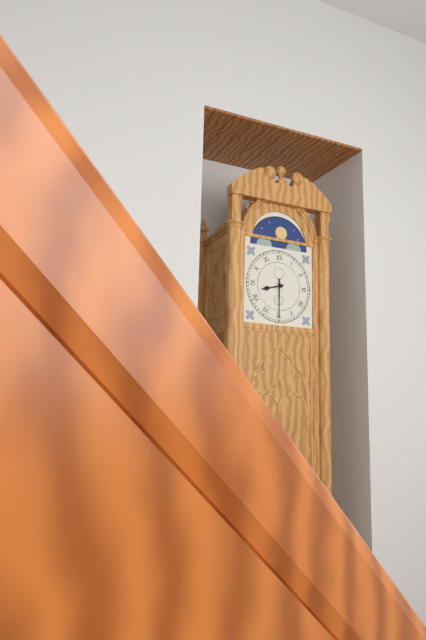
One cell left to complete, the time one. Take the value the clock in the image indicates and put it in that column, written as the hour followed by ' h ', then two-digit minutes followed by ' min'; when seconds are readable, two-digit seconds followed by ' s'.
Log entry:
8 h 30 min
